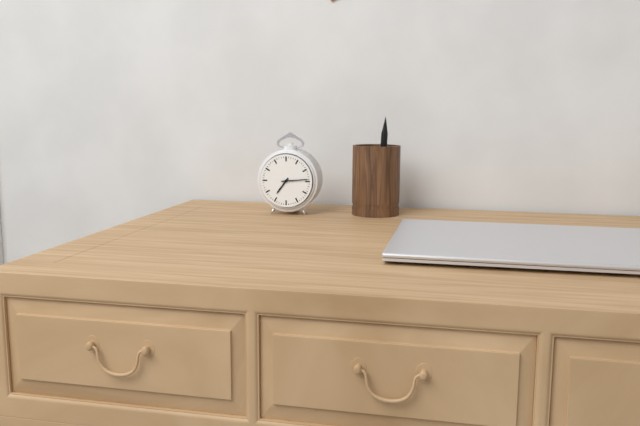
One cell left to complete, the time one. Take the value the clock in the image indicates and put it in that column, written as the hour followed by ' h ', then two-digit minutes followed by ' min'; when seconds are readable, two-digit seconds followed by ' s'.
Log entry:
7 h 14 min
